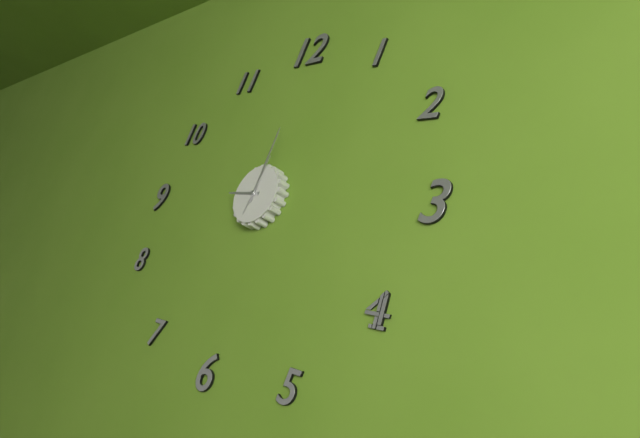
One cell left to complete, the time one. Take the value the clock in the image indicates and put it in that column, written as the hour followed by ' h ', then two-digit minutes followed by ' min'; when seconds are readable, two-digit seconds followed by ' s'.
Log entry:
9 h 01 min 02 s
